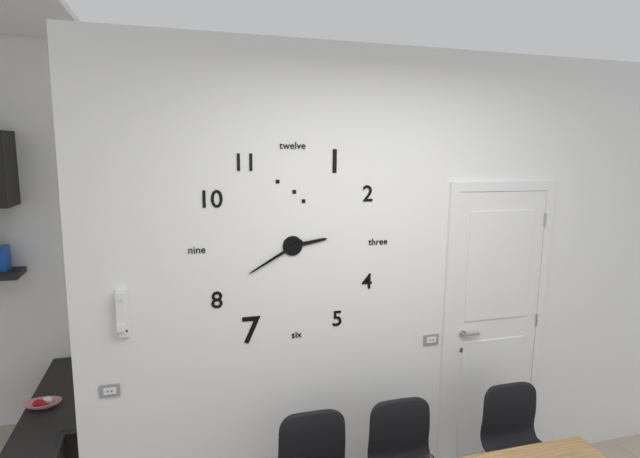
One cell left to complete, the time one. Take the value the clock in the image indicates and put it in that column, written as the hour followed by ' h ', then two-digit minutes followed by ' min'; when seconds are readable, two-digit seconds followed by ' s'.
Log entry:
2 h 40 min
